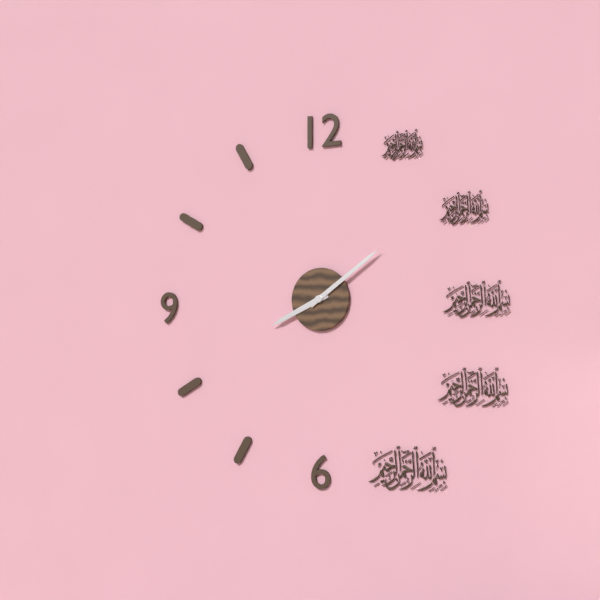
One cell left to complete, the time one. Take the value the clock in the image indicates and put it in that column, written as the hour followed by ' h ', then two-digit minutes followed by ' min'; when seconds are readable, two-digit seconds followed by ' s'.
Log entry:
8 h 09 min
